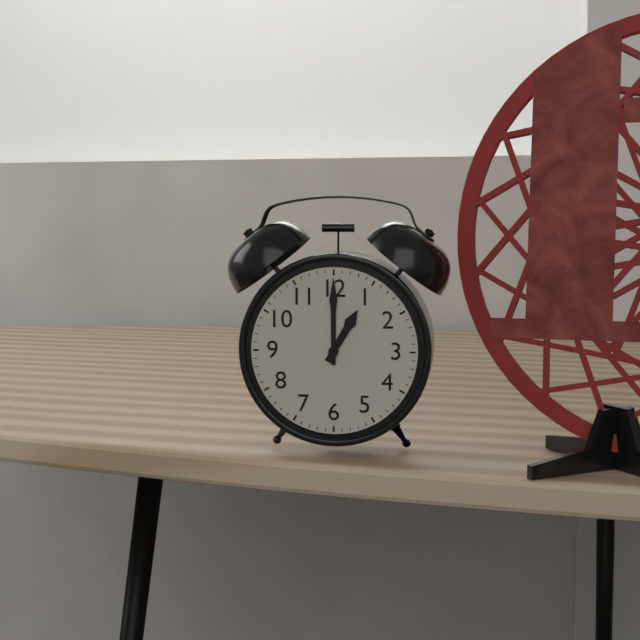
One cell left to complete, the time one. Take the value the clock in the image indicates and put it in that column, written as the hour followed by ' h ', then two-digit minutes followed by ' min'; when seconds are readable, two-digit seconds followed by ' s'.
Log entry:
1 h 00 min
